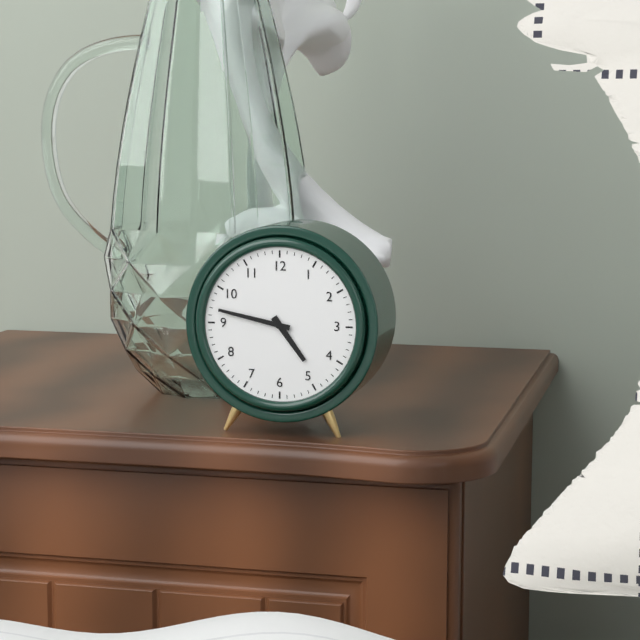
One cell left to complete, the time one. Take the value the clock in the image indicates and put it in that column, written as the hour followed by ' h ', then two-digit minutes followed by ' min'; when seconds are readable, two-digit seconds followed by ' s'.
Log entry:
4 h 47 min
